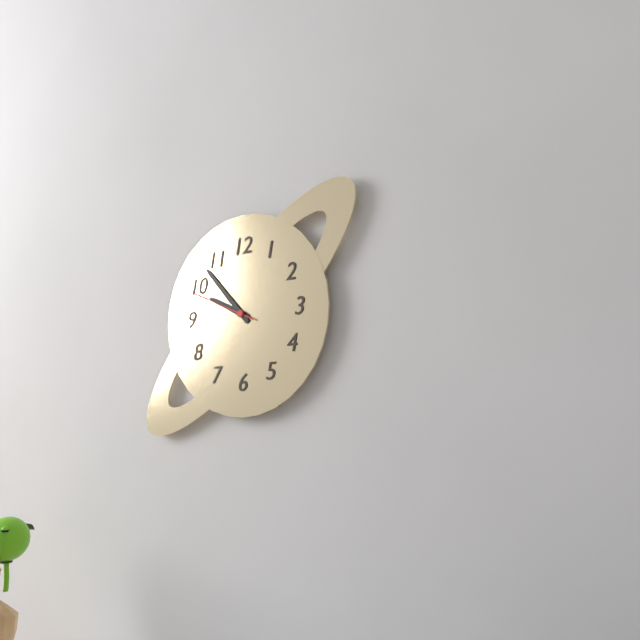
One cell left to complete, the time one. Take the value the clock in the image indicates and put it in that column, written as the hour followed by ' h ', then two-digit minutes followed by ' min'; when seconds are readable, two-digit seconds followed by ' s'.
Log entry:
9 h 53 min 49 s
